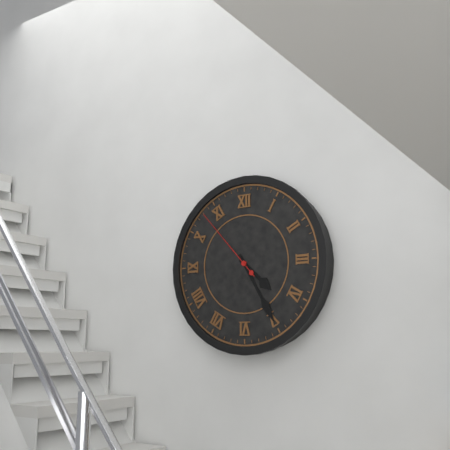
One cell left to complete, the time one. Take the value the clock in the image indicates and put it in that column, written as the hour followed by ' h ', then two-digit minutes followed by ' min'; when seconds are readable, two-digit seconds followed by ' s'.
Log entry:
4 h 25 min 53 s
